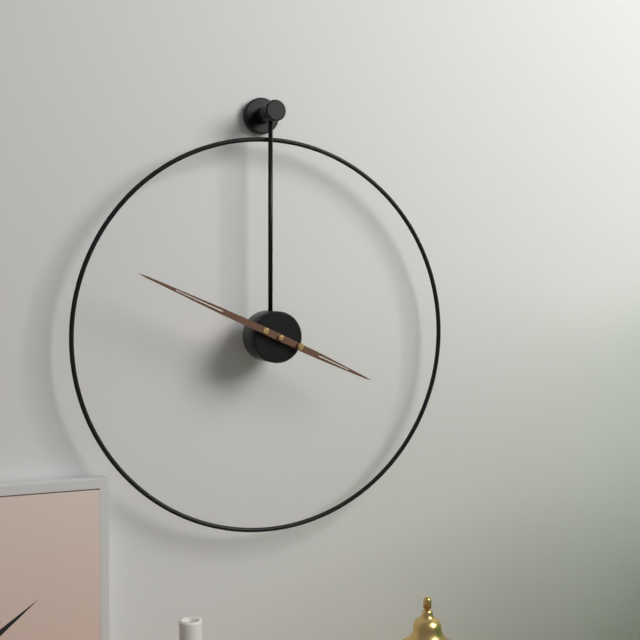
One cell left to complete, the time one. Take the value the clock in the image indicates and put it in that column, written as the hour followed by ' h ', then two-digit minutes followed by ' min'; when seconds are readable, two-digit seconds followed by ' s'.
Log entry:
3 h 49 min
